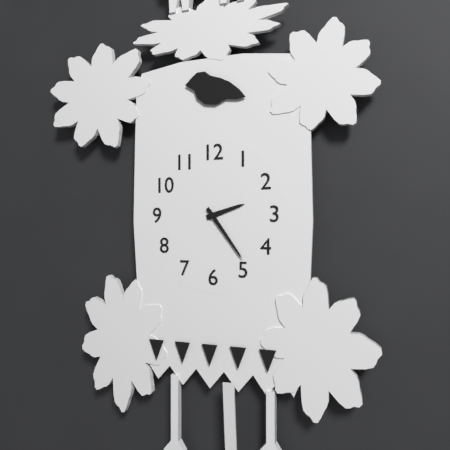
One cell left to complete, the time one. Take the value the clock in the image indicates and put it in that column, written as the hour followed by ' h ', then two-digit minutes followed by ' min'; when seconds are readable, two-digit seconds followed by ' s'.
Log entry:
2 h 24 min
